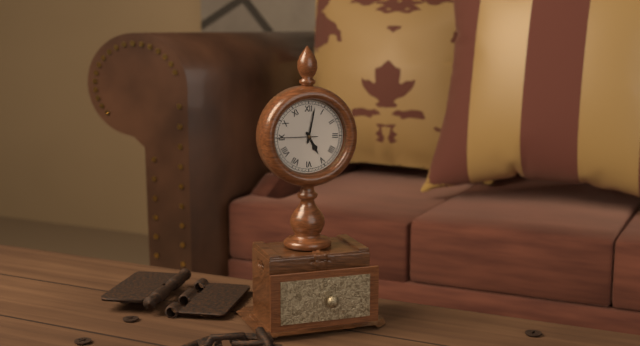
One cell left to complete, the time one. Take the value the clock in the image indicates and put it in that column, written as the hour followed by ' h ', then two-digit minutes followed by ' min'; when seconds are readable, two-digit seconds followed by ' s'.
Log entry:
5 h 02 min
